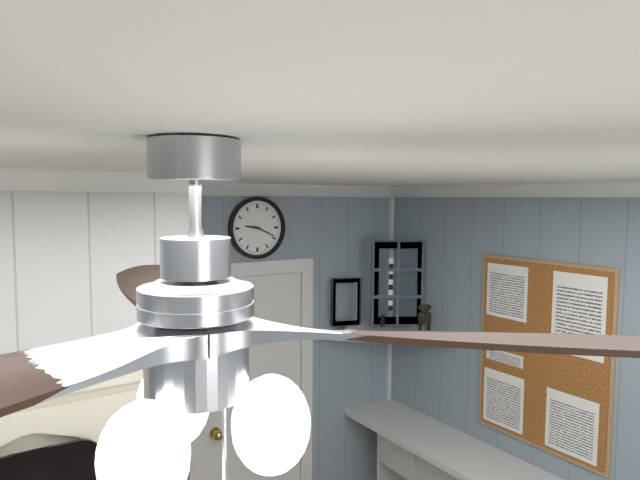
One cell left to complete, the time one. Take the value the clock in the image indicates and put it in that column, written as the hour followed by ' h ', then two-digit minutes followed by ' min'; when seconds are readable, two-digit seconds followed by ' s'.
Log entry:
9 h 19 min
